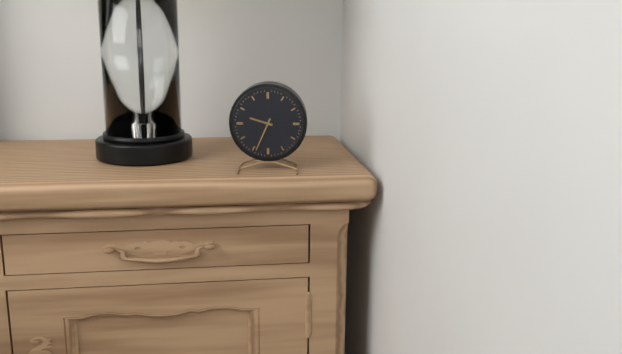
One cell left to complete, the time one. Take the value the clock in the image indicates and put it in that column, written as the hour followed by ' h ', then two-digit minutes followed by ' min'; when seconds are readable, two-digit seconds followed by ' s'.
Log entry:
9 h 34 min
